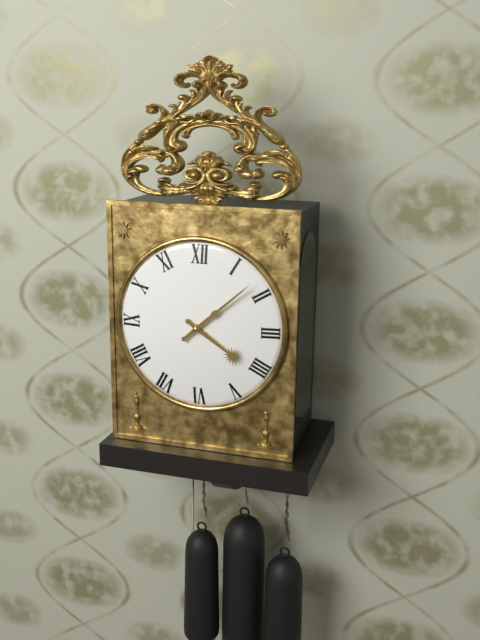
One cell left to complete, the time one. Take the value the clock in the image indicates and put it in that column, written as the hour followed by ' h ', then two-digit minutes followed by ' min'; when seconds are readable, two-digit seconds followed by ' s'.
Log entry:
4 h 08 min
